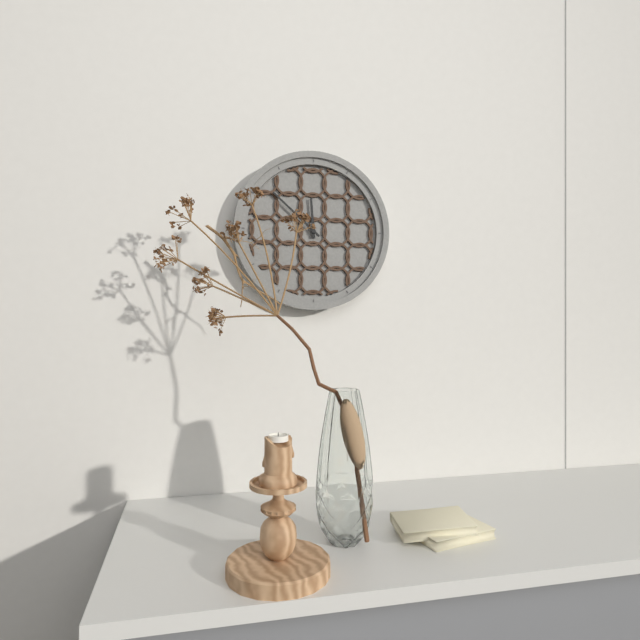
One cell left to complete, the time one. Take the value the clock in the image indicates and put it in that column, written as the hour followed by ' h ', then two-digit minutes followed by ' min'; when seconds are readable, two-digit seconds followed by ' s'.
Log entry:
11 h 52 min
